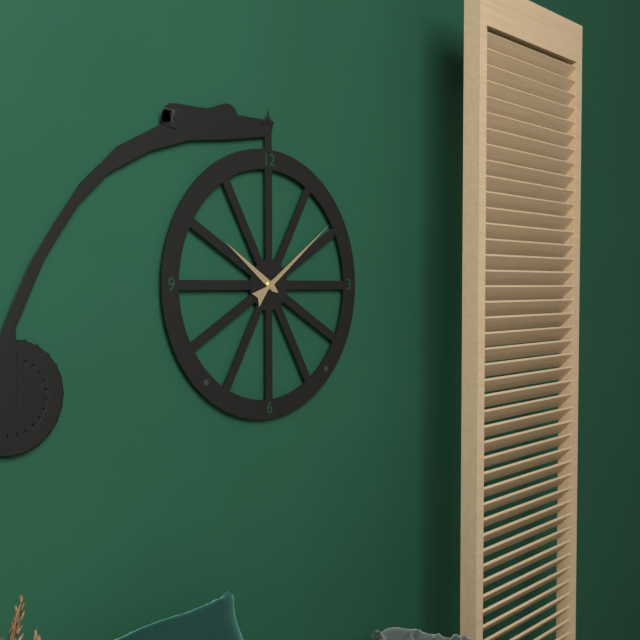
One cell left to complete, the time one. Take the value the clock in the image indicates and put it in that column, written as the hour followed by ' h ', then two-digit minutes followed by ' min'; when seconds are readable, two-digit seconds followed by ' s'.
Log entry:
10 h 09 min
